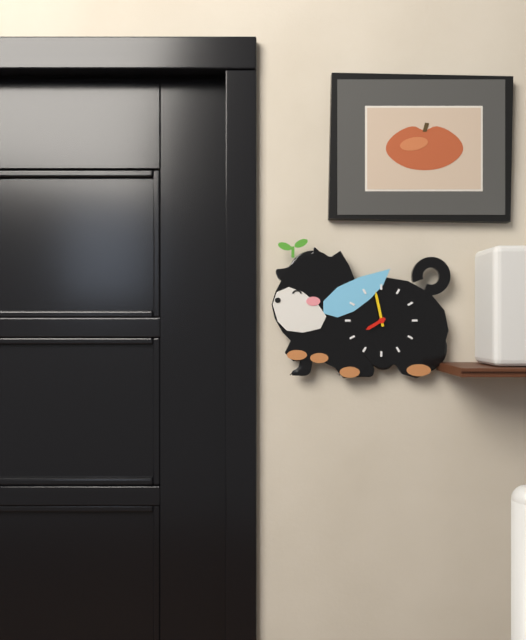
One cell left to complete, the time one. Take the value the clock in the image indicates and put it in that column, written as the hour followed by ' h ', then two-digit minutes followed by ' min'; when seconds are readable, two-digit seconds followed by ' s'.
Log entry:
7 h 58 min
